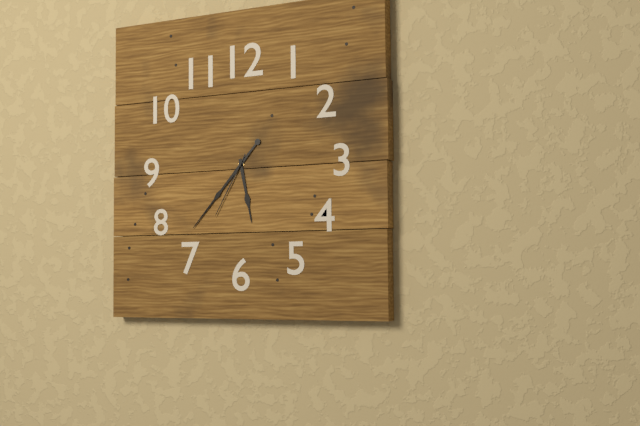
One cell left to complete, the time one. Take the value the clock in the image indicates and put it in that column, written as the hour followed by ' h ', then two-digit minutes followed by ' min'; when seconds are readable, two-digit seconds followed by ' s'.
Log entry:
5 h 37 min 35 s
